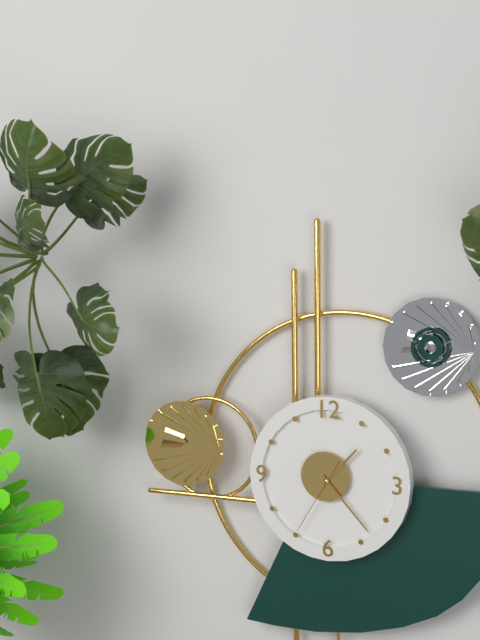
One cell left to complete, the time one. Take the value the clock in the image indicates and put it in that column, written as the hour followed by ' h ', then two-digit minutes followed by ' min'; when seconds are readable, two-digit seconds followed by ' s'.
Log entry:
1 h 23 min 35 s
